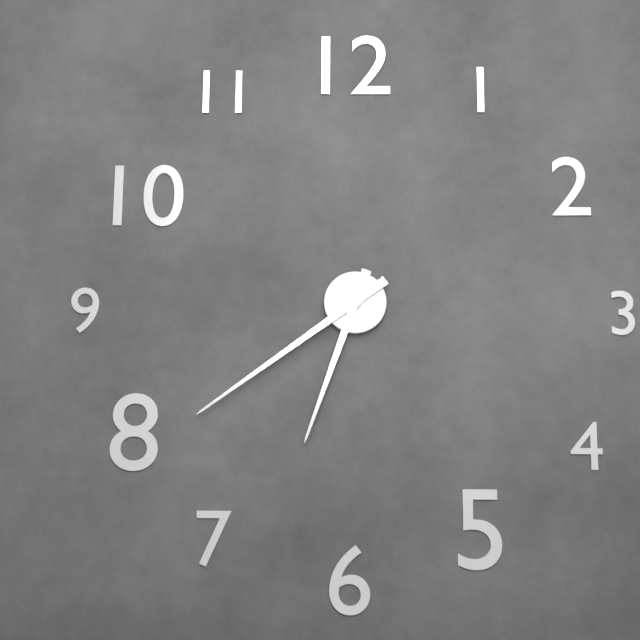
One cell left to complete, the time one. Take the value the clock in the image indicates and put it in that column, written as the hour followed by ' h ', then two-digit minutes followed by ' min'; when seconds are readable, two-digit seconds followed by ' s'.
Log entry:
6 h 39 min
